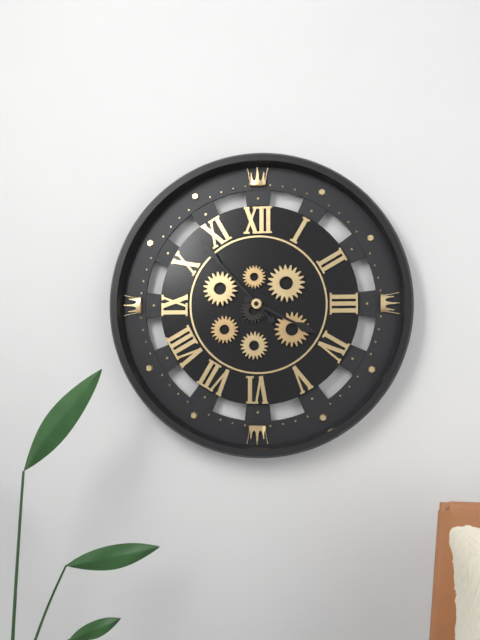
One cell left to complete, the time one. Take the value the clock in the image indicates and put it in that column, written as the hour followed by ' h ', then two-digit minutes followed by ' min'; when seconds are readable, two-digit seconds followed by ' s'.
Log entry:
3 h 53 min
